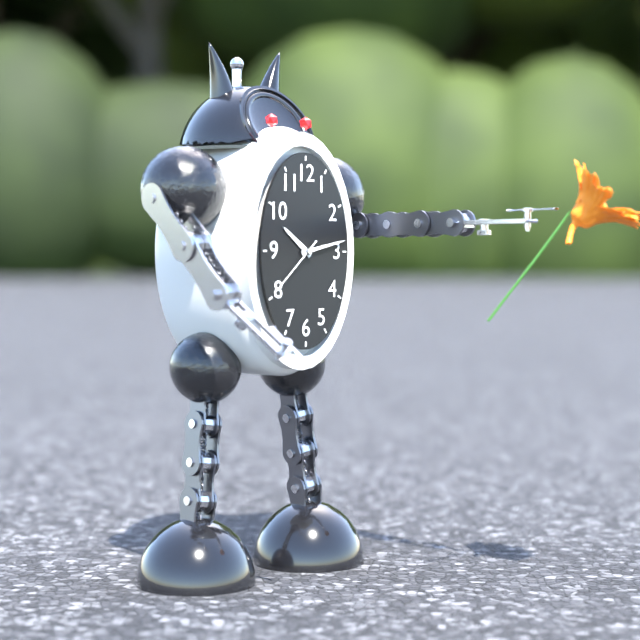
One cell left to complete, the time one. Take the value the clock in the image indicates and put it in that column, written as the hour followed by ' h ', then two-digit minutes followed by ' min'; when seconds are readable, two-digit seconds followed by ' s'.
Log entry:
10 h 13 min 38 s
